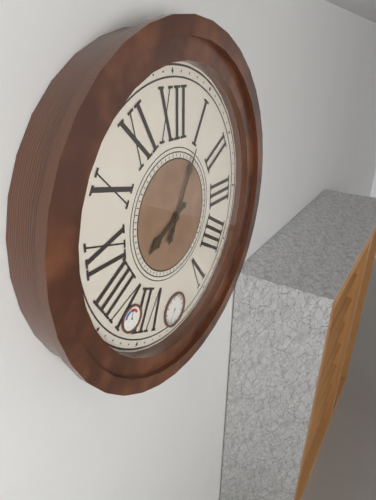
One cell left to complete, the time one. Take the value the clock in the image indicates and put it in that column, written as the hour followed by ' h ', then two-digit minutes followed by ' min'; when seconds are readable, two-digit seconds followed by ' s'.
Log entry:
8 h 05 min
